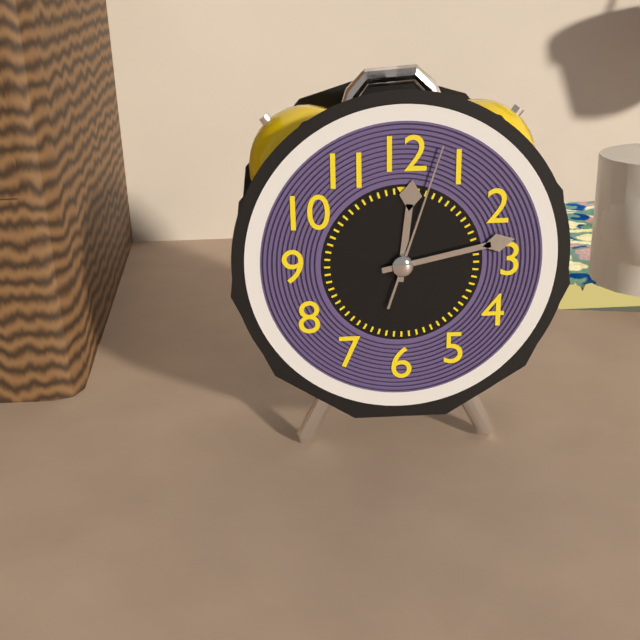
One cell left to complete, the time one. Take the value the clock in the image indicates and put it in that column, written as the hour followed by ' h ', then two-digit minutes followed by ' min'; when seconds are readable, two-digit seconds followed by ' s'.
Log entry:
12 h 13 min 03 s
